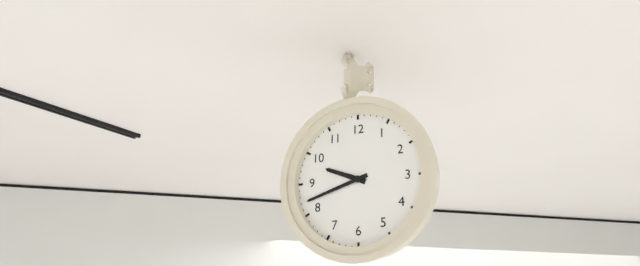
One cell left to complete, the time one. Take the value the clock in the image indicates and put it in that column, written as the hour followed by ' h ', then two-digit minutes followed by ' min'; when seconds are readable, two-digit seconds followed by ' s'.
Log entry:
9 h 42 min
